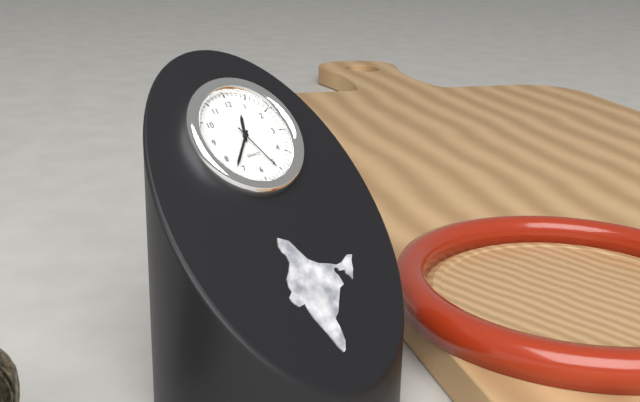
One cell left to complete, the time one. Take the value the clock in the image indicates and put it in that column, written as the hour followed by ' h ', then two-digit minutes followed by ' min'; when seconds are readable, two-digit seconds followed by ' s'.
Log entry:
12 h 37 min 26 s
